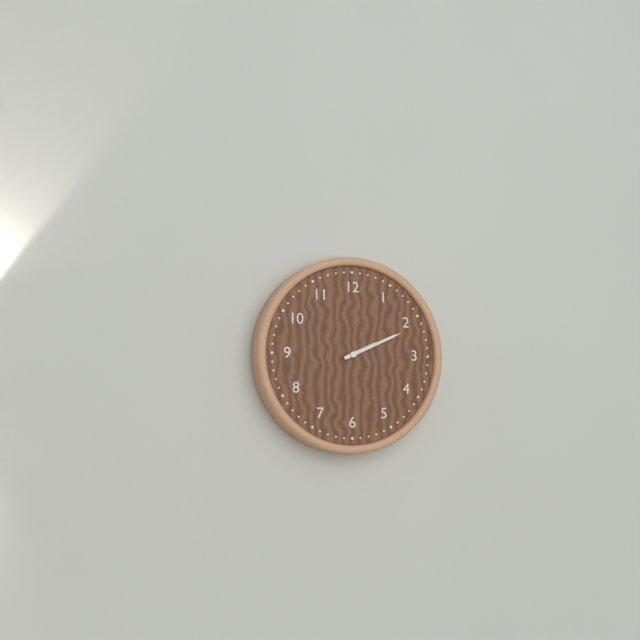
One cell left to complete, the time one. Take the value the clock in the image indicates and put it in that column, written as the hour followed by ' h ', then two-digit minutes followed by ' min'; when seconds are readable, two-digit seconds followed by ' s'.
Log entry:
2 h 11 min
